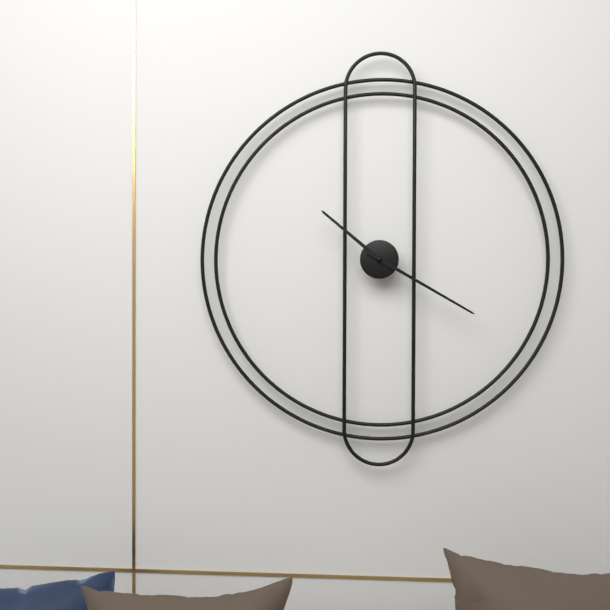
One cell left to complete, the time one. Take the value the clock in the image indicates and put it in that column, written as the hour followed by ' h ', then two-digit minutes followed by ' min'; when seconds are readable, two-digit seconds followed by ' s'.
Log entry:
10 h 20 min
